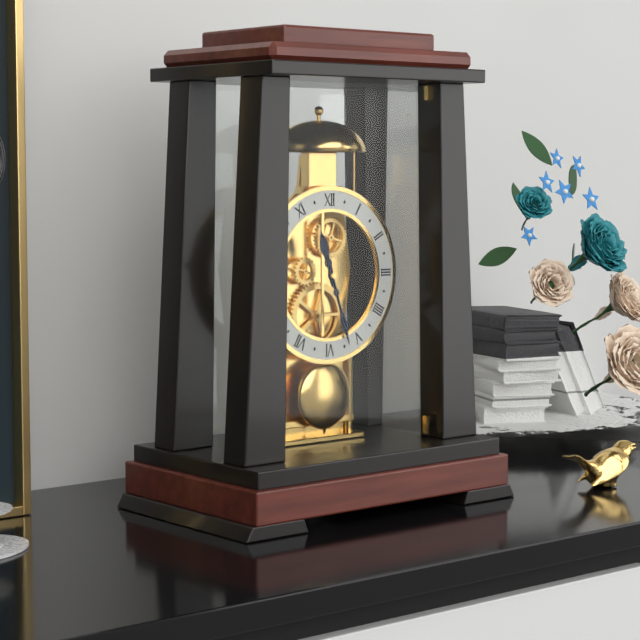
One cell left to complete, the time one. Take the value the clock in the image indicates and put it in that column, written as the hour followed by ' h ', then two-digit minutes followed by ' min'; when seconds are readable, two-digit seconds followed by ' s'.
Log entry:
11 h 27 min
